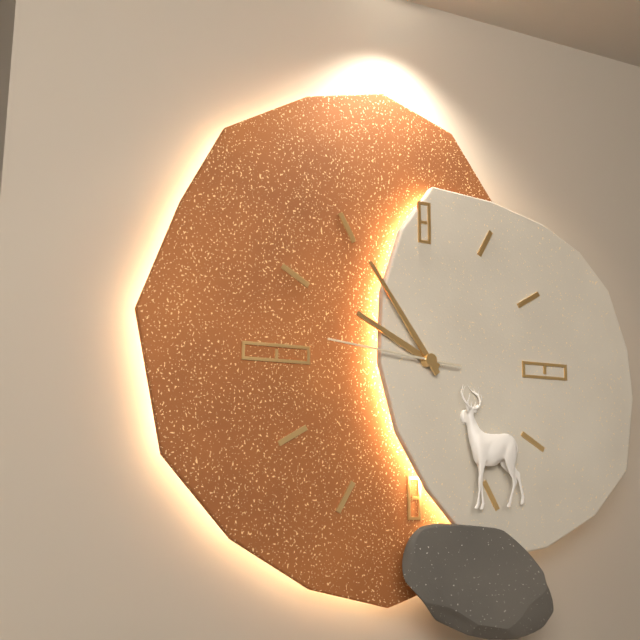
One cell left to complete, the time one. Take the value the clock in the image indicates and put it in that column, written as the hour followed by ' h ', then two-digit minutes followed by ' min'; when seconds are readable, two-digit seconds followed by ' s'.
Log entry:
9 h 54 min 46 s
